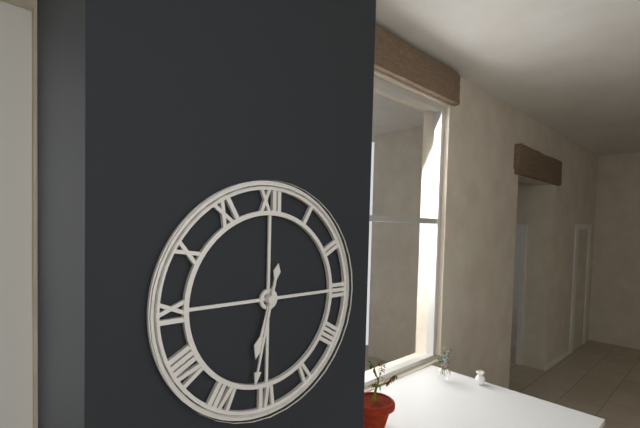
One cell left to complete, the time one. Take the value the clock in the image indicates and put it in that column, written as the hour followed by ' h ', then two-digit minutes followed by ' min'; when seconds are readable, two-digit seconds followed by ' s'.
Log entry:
6 h 32 min
